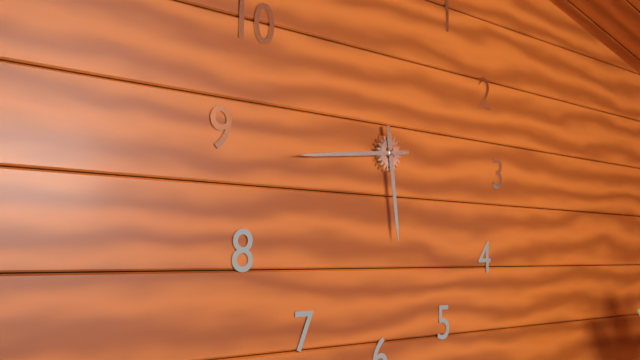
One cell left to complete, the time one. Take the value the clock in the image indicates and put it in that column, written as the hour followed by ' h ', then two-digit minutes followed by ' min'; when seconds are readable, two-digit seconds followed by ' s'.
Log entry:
5 h 44 min
